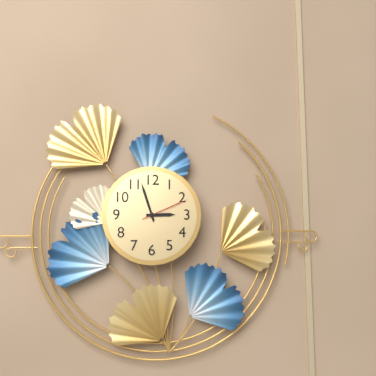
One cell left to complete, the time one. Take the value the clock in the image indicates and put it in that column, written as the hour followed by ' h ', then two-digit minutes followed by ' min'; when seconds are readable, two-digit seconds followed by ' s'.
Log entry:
2 h 57 min
